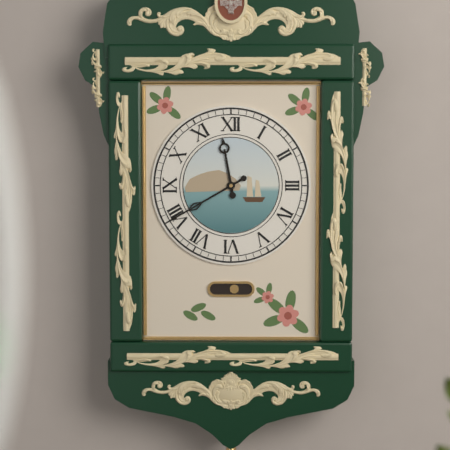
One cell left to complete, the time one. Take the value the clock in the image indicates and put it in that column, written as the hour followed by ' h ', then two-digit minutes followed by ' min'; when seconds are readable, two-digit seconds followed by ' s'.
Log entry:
11 h 40 min
